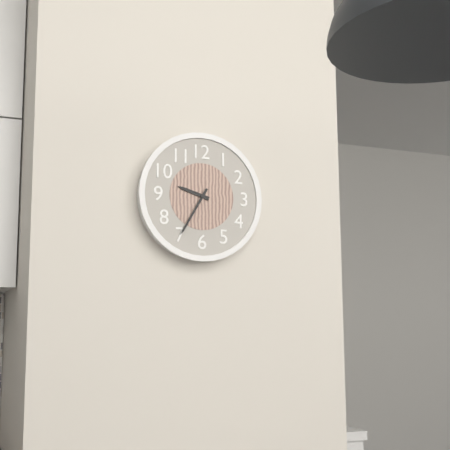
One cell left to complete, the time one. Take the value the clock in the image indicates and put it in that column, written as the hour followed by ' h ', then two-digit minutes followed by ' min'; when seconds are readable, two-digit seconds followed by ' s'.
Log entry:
9 h 35 min
